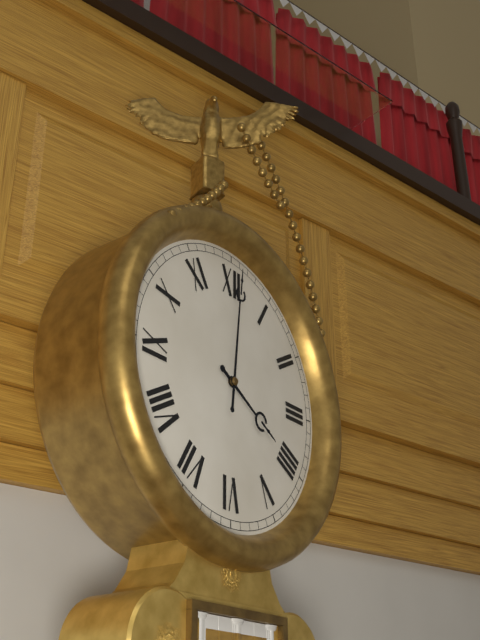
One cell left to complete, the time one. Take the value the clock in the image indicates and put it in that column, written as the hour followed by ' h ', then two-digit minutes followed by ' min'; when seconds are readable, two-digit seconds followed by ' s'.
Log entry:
4 h 01 min
